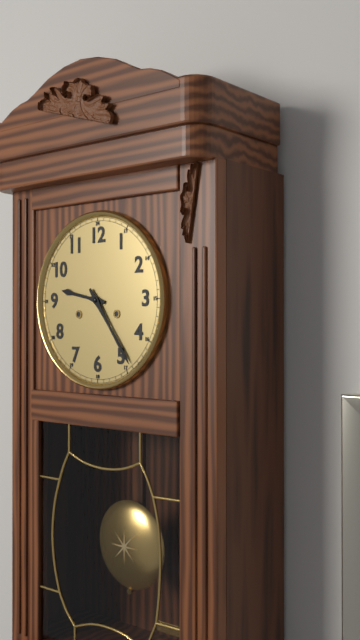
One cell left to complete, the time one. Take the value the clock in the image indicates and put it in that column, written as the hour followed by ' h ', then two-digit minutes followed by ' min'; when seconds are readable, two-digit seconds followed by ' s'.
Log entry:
9 h 24 min
